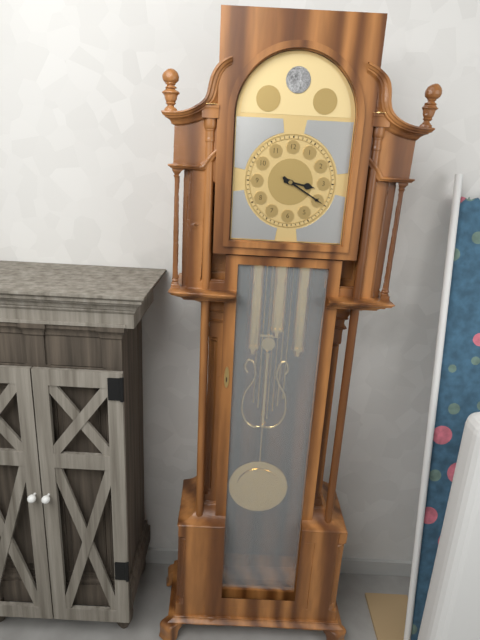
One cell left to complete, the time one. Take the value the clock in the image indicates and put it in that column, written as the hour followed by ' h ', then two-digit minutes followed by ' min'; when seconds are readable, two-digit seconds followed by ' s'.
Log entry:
3 h 20 min
